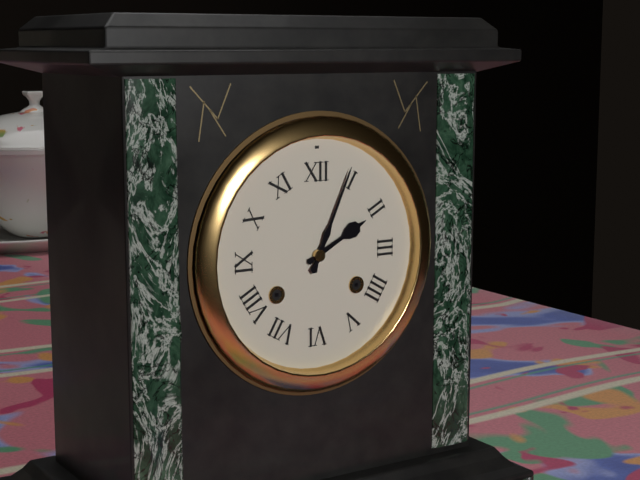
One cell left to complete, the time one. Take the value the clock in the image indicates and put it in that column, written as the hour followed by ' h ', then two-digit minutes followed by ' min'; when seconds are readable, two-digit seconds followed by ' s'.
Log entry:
2 h 04 min
